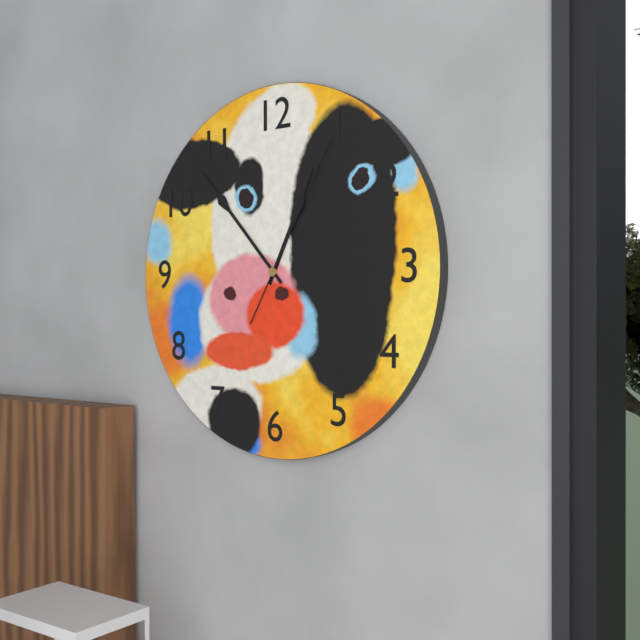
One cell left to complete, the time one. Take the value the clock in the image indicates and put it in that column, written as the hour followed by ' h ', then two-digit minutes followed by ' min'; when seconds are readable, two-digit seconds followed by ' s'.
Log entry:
12 h 53 min 05 s
